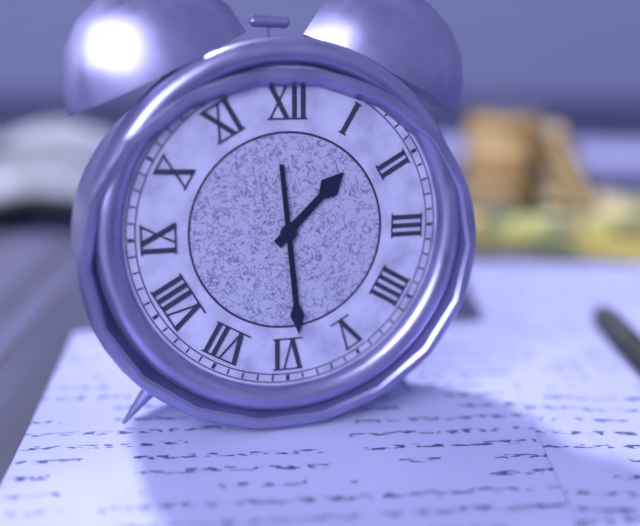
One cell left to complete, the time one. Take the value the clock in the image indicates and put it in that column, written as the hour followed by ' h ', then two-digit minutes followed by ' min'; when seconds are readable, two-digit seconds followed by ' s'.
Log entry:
1 h 29 min
